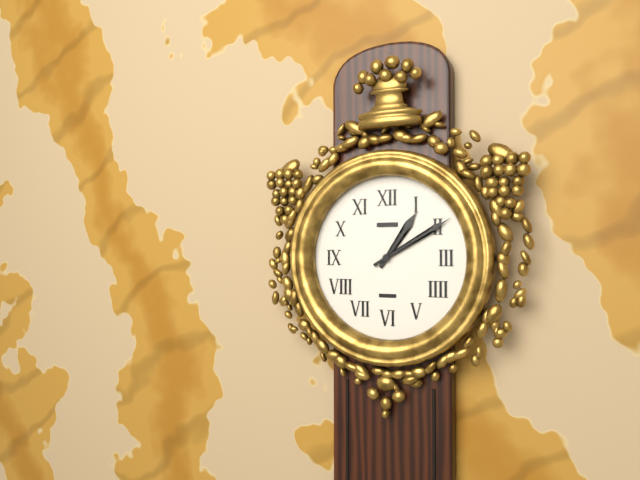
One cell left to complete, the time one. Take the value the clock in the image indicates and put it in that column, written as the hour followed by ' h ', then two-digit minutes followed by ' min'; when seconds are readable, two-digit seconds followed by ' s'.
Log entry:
1 h 10 min
